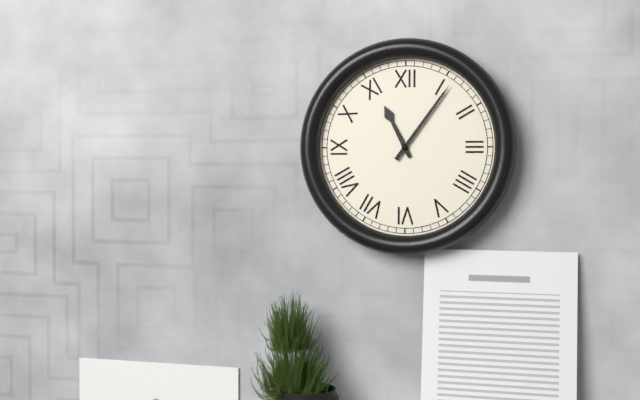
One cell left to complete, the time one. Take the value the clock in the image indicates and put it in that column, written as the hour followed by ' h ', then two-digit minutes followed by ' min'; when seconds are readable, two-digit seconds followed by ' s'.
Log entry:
11 h 06 min
